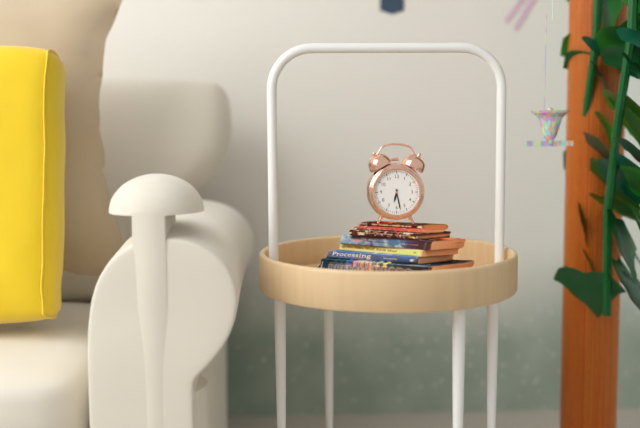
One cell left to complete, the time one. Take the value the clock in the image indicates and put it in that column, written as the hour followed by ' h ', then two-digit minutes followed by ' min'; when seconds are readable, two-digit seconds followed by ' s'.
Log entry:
6 h 28 min
